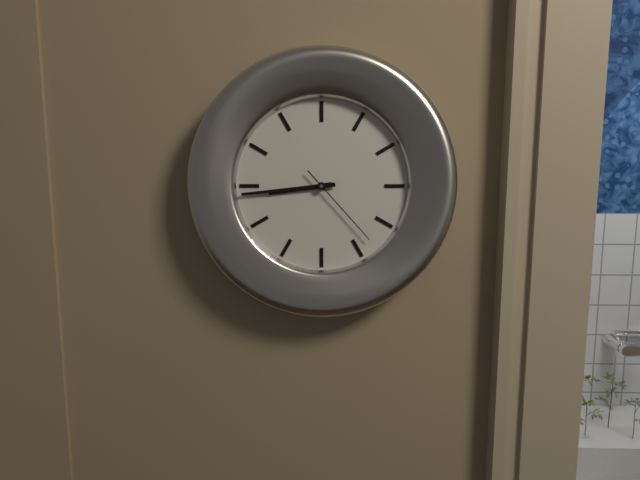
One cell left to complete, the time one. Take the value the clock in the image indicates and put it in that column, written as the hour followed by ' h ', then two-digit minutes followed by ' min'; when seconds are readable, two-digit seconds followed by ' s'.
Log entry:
8 h 44 min 23 s
